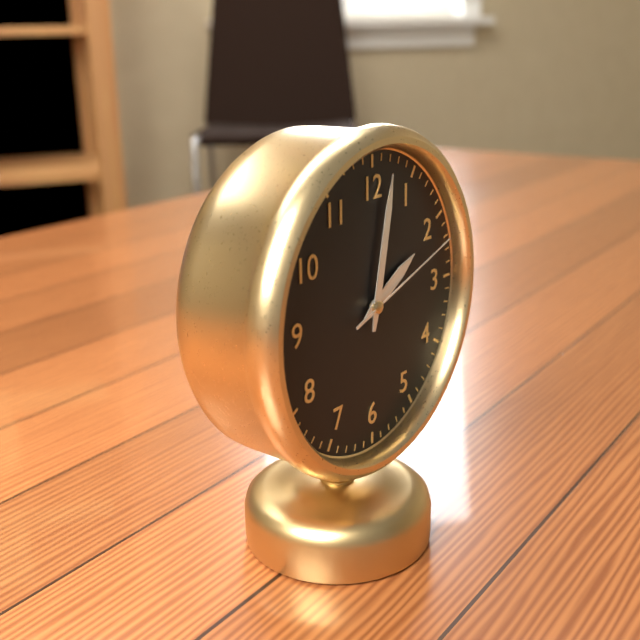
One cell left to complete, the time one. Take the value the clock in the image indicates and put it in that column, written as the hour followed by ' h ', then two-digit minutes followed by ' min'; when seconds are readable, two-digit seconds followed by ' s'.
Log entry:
2 h 02 min 12 s
